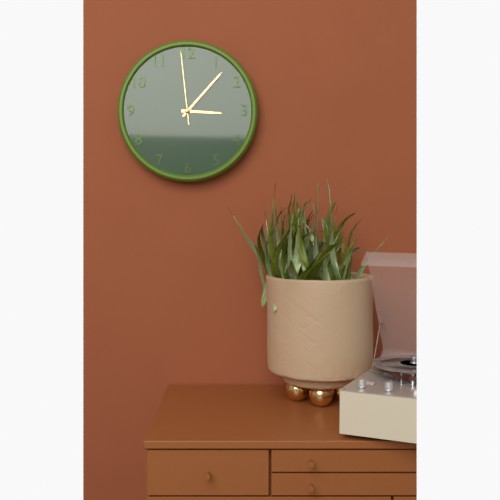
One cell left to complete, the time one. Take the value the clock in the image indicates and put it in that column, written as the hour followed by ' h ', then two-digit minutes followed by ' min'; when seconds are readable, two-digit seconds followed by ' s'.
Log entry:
3 h 07 min 59 s
